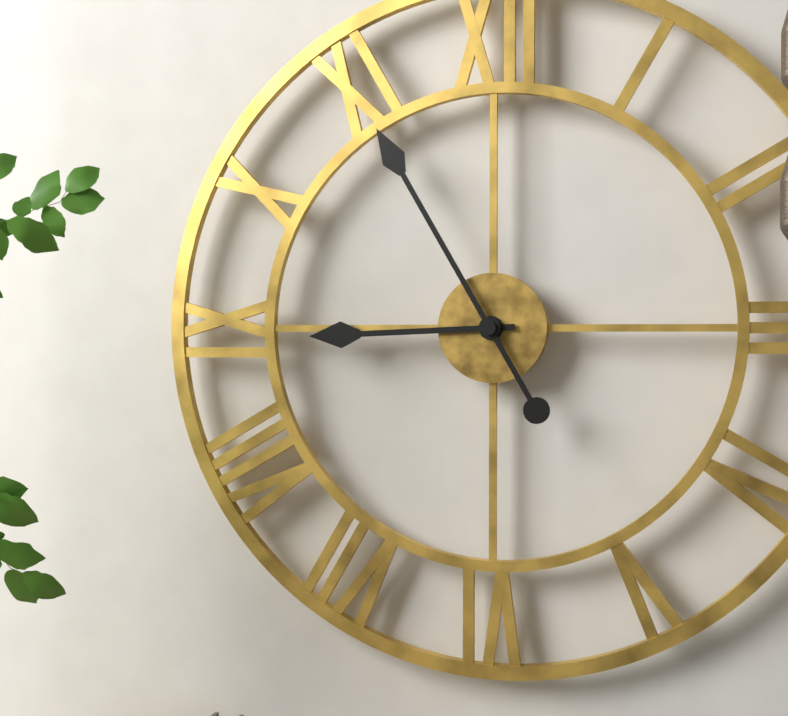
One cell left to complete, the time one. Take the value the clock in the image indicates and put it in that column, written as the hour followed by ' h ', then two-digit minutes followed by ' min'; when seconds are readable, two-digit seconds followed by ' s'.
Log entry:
8 h 55 min
